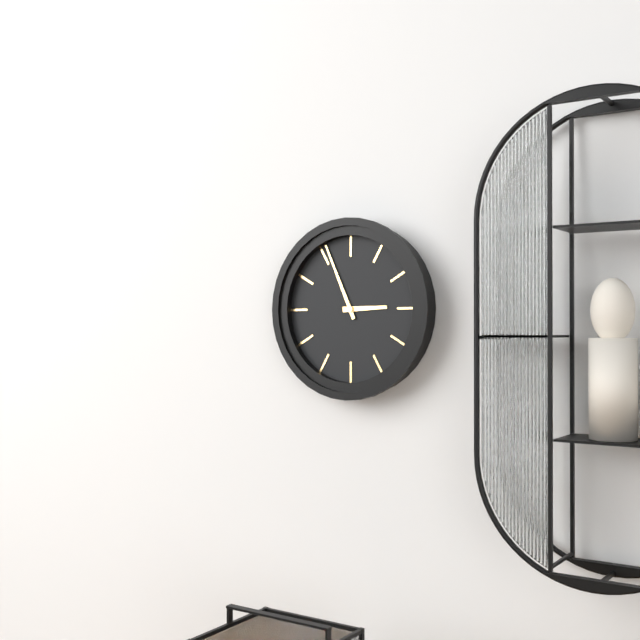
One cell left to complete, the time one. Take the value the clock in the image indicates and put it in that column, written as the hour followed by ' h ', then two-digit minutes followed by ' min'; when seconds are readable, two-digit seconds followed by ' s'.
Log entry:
2 h 56 min
